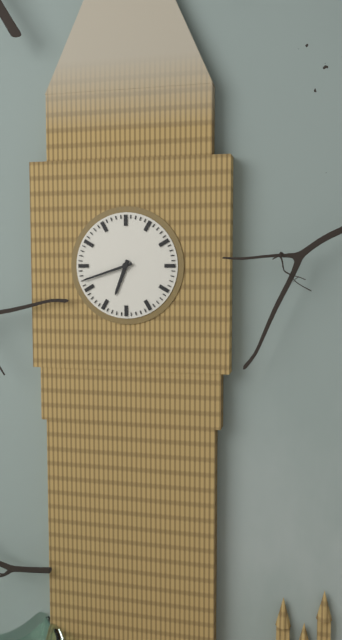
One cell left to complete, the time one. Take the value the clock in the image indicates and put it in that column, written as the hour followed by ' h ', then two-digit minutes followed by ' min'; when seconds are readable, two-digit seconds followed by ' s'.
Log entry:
6 h 42 min
